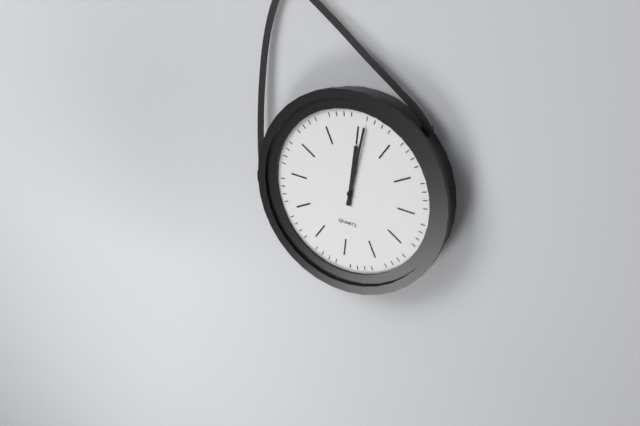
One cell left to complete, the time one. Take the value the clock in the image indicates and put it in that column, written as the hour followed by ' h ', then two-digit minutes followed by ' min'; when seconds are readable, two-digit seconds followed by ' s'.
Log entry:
12 h 01 min
